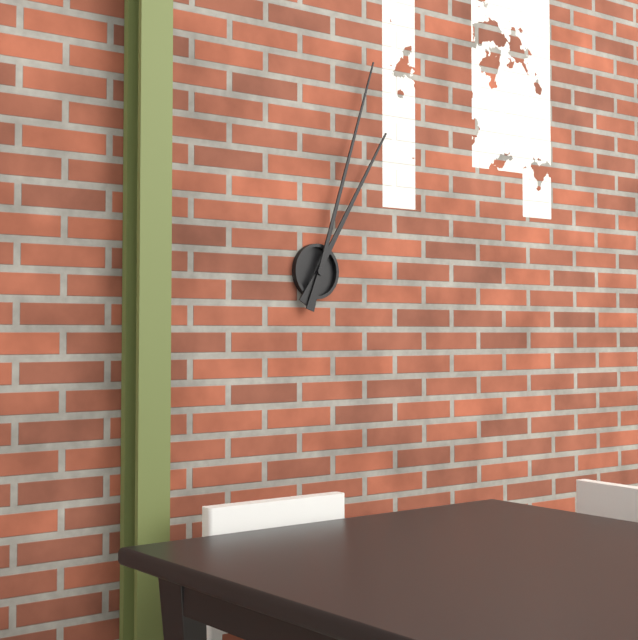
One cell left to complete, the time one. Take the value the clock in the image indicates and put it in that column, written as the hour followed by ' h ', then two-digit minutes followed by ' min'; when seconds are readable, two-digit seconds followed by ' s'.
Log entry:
1 h 03 min
